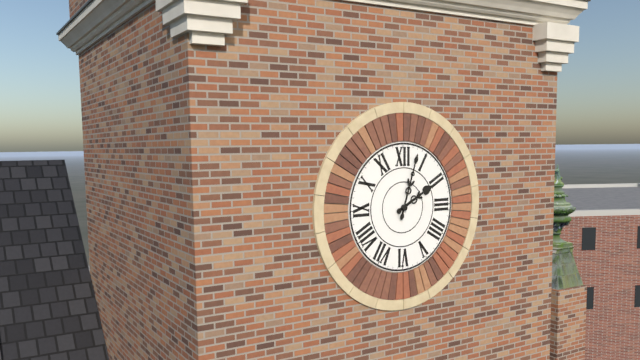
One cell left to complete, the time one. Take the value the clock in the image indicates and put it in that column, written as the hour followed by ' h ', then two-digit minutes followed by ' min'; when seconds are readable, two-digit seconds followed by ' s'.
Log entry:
2 h 03 min
